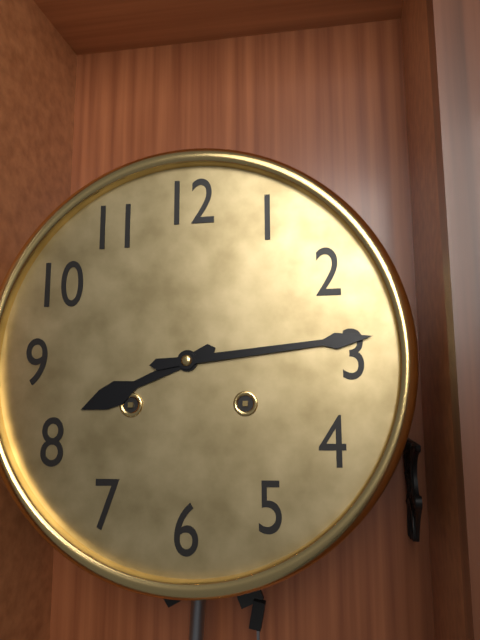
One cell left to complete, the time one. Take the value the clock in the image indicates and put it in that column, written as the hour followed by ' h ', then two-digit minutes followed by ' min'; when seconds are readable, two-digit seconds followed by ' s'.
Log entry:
8 h 14 min
